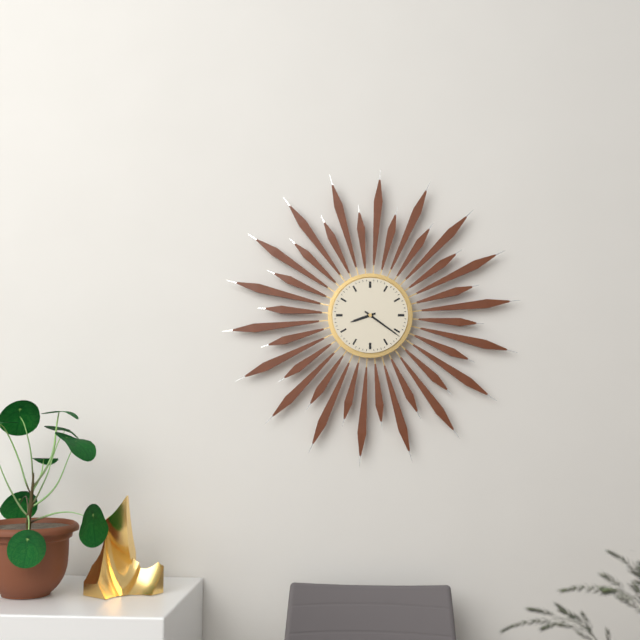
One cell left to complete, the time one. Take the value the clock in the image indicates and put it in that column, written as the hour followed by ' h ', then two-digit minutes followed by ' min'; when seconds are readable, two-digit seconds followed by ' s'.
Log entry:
8 h 21 min
